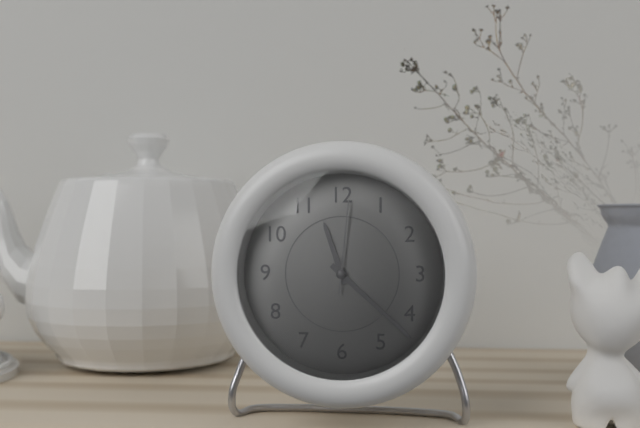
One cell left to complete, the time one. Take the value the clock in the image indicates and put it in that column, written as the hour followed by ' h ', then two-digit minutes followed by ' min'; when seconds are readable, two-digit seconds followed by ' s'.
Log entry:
11 h 22 min 01 s
